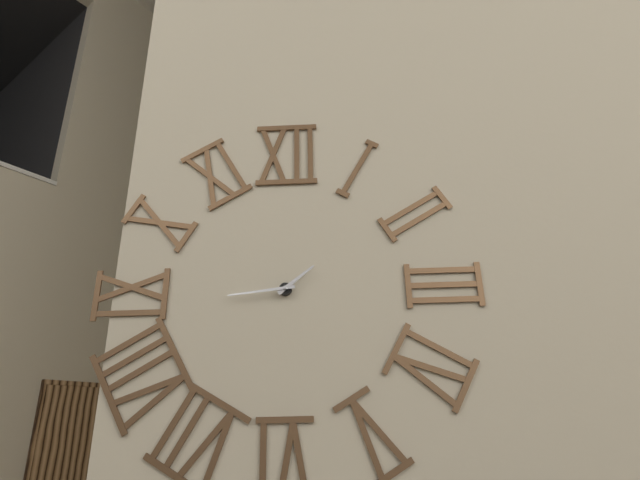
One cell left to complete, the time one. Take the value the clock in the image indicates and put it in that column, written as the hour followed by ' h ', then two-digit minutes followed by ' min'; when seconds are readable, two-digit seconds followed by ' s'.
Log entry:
1 h 44 min
